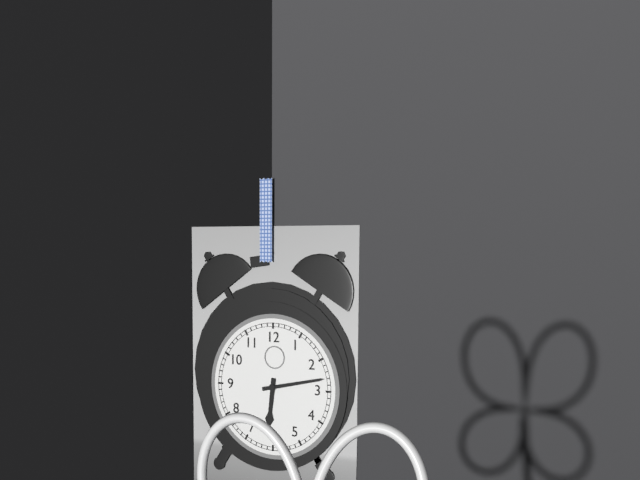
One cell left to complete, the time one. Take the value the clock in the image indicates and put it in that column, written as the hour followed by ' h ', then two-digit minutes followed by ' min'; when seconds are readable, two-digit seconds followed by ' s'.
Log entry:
6 h 13 min
